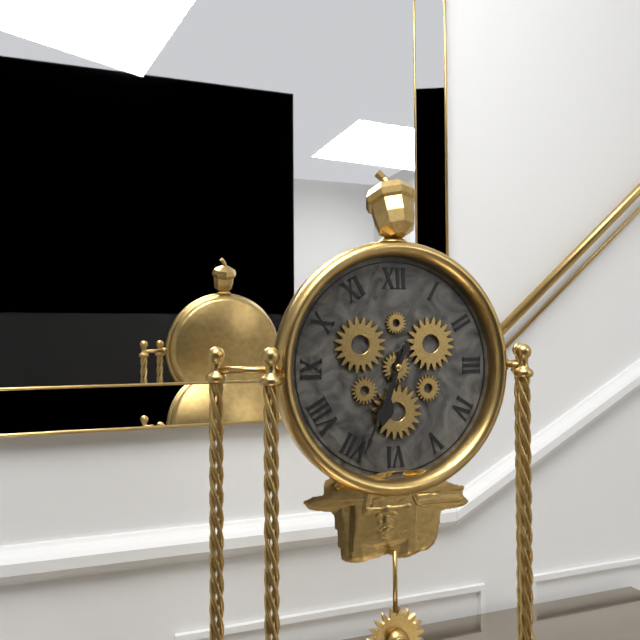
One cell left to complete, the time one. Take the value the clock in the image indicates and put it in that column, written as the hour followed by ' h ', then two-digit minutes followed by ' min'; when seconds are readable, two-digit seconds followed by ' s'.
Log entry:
6 h 34 min
